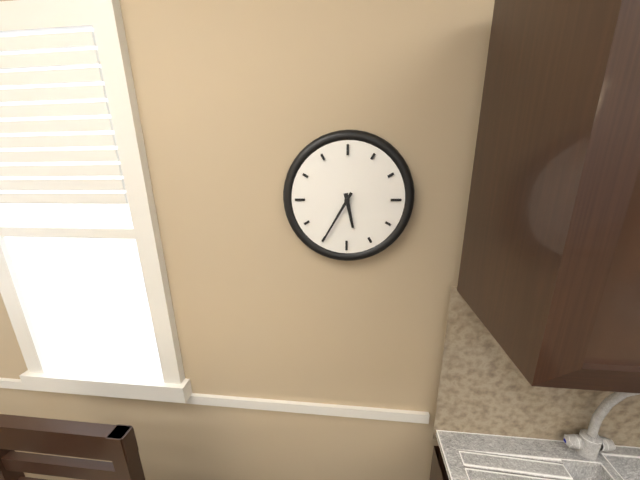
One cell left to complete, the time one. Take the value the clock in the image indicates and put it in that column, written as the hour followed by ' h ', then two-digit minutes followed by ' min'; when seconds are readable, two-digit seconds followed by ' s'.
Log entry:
5 h 35 min
